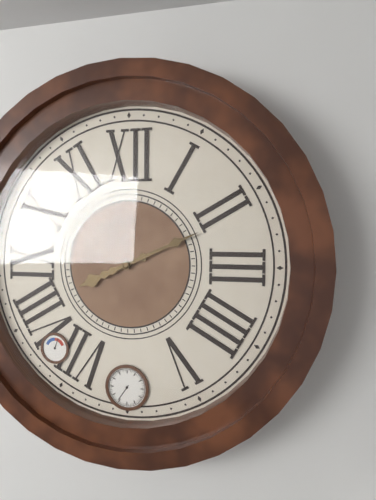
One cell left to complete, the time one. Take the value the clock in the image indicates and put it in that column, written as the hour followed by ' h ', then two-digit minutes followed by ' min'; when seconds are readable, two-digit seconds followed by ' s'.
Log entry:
8 h 11 min
